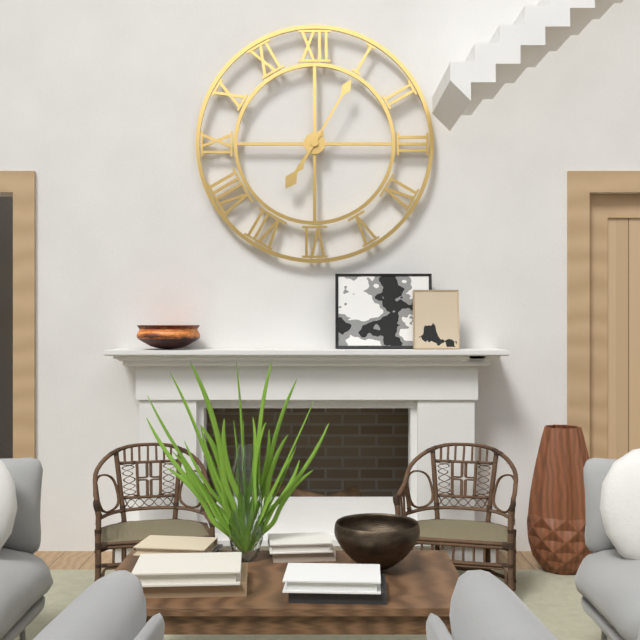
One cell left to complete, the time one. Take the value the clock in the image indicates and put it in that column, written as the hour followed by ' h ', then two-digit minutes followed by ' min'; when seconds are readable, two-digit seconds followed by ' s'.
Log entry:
7 h 05 min
